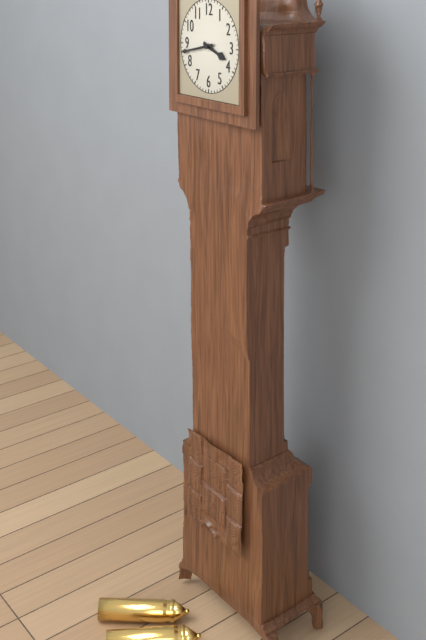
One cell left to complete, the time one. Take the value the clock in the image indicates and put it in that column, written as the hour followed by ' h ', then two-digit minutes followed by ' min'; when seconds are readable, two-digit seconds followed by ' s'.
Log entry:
3 h 43 min
